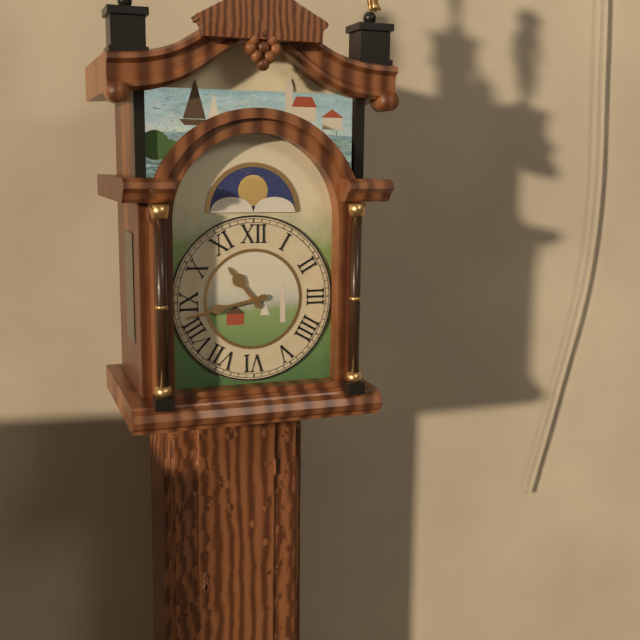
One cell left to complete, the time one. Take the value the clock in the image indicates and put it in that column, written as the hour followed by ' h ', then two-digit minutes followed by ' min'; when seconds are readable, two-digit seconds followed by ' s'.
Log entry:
10 h 43 min
